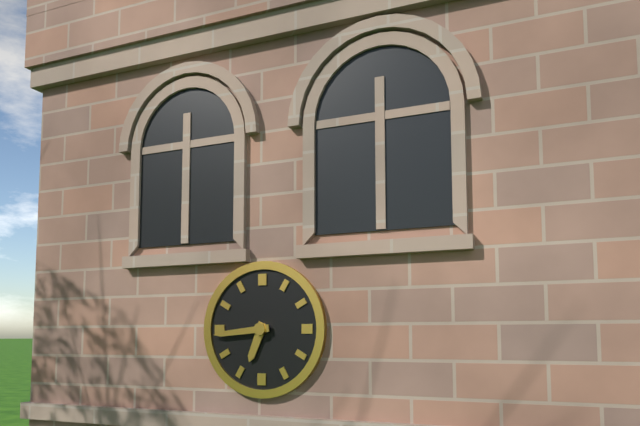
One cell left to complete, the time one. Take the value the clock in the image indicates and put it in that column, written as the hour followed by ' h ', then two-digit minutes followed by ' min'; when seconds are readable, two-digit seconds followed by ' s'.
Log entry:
6 h 44 min
